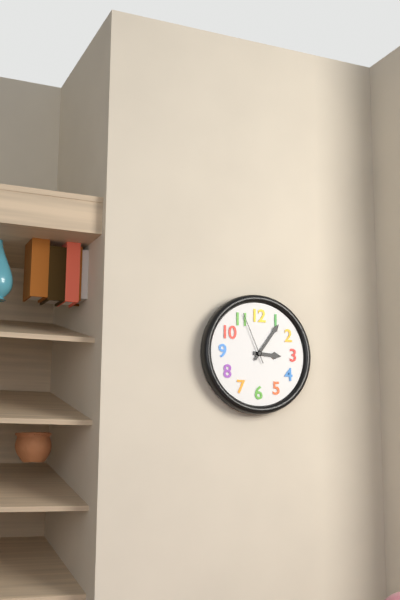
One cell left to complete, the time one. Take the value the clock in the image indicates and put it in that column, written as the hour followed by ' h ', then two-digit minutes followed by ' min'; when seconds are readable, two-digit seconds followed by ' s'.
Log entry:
3 h 06 min 56 s
